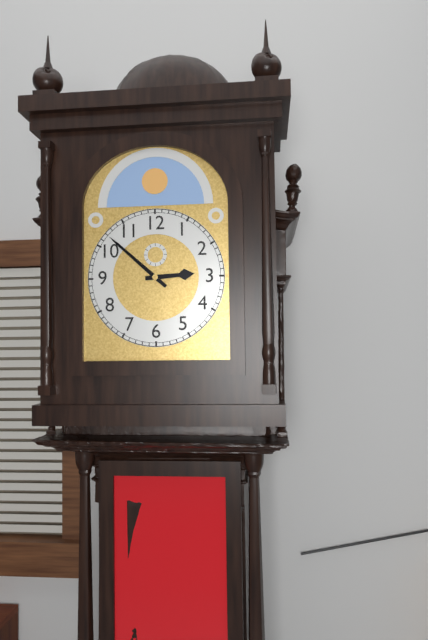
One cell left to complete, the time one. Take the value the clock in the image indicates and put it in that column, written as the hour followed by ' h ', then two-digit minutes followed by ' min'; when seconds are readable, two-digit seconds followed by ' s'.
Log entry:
2 h 52 min
